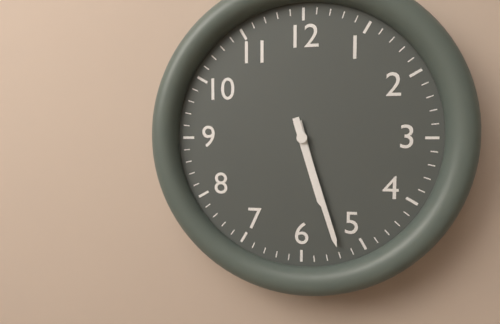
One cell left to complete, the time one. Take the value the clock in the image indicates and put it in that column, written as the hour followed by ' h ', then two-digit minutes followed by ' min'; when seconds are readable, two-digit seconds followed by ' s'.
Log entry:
5 h 27 min
